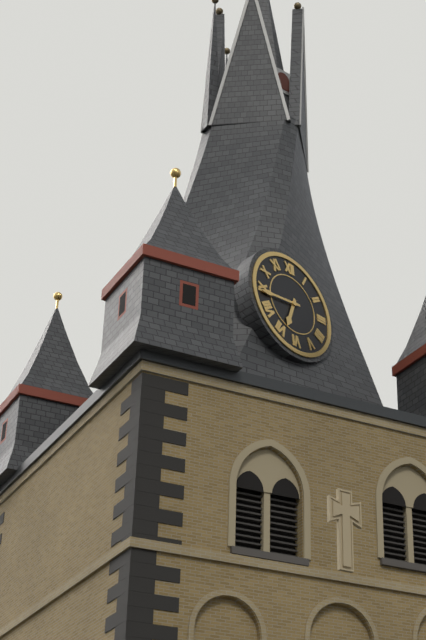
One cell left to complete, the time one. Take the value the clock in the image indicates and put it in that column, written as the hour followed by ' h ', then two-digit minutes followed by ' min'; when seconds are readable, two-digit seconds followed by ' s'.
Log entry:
6 h 44 min
